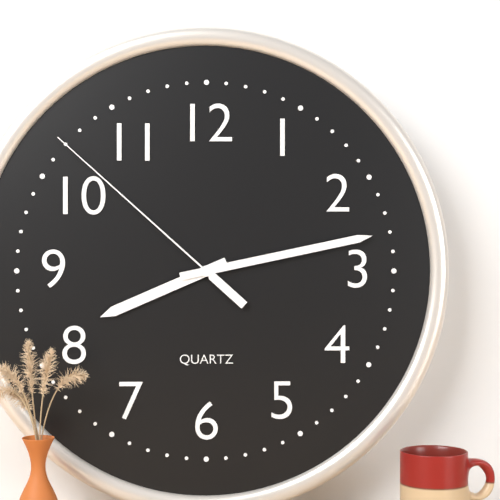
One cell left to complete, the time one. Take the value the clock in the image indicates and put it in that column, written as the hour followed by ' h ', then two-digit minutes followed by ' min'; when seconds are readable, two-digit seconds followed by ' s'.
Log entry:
8 h 13 min 52 s
